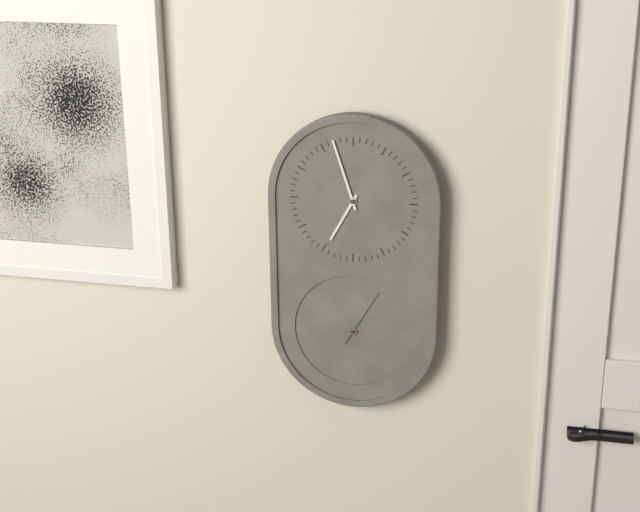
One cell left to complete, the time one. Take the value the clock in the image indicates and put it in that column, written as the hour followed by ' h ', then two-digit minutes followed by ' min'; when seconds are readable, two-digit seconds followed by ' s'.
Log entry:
6 h 57 min 05 s
